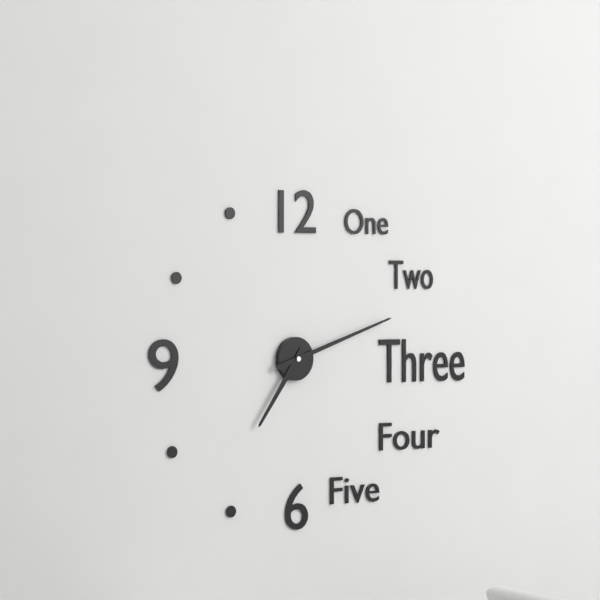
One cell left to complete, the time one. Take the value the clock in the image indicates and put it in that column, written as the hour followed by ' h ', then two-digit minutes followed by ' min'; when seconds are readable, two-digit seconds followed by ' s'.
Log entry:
7 h 12 min
